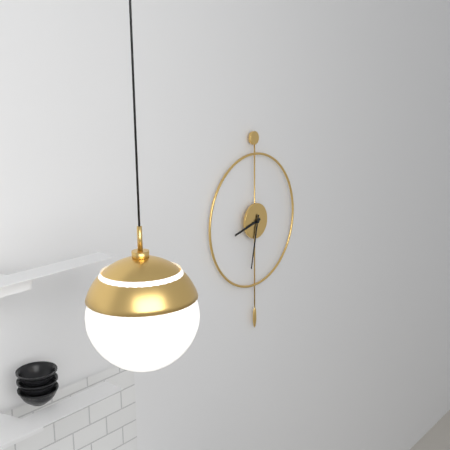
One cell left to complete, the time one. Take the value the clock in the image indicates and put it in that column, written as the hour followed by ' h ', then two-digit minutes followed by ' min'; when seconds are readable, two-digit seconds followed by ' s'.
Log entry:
8 h 32 min
